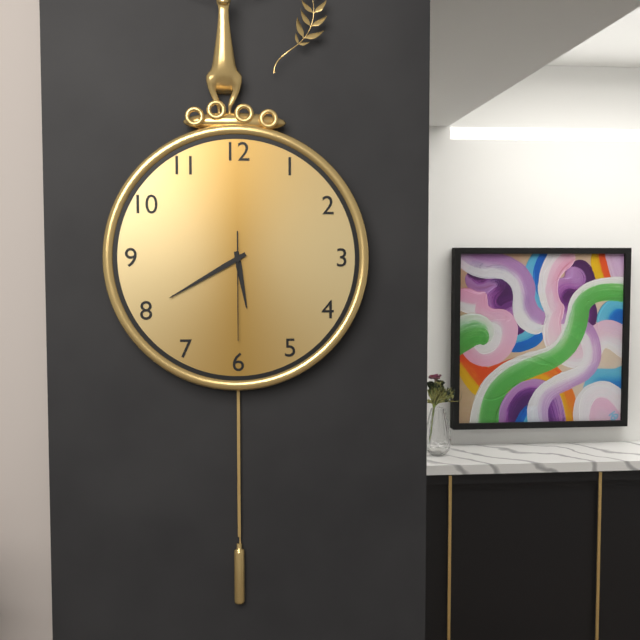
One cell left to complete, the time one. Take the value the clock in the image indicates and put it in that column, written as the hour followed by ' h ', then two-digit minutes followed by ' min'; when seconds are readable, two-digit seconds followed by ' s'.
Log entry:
5 h 40 min 30 s
